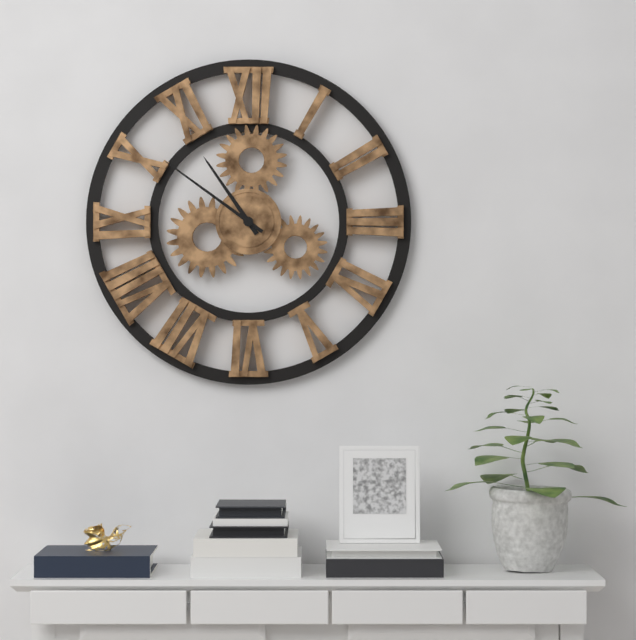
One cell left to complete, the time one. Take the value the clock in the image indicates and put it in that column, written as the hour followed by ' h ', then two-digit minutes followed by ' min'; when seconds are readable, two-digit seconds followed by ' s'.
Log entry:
10 h 51 min
